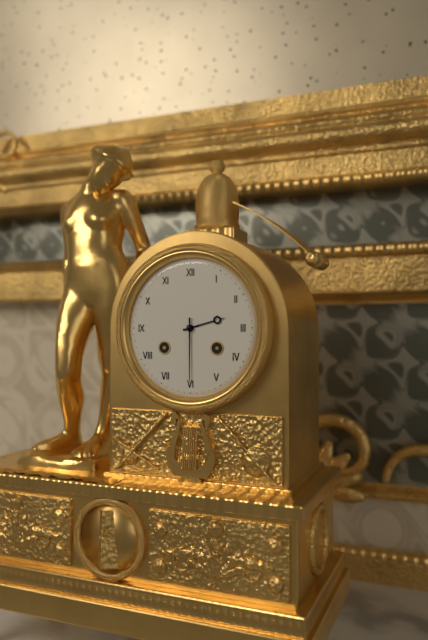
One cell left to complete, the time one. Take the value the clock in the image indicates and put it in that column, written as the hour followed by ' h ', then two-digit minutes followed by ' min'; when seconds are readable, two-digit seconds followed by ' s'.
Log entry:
2 h 30 min
